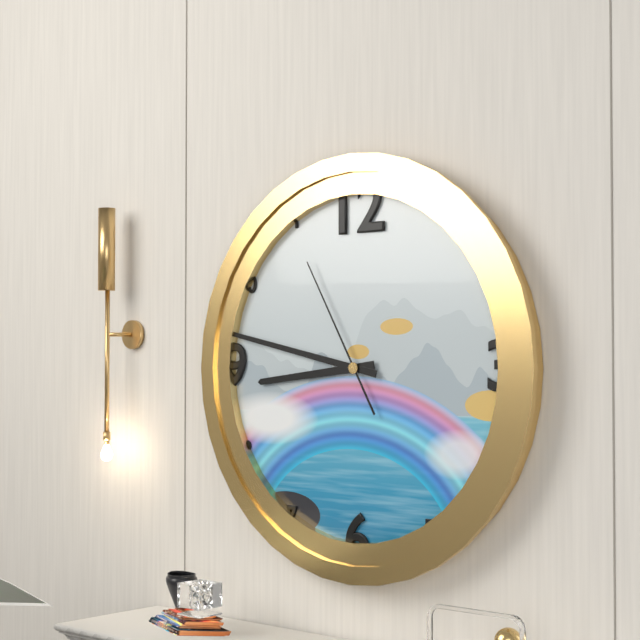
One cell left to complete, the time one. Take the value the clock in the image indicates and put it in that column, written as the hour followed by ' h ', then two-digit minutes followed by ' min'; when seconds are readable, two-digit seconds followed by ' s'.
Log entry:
8 h 47 min 55 s
